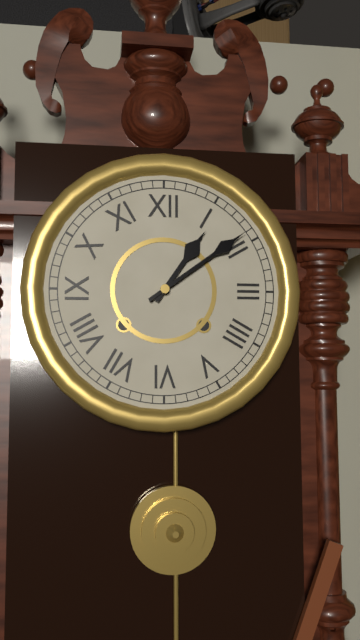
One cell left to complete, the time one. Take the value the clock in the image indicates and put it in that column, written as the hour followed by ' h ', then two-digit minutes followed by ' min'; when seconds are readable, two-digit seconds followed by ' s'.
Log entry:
1 h 09 min
